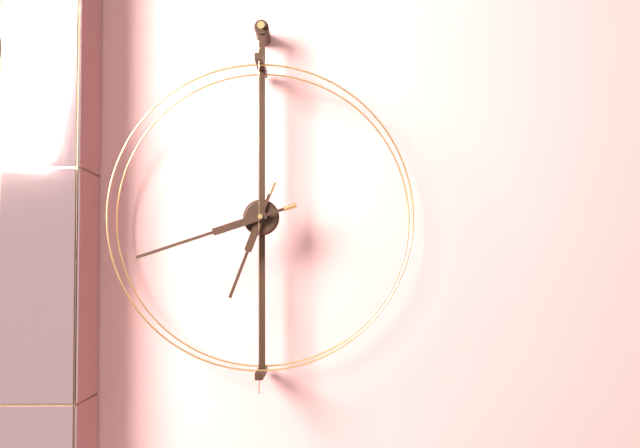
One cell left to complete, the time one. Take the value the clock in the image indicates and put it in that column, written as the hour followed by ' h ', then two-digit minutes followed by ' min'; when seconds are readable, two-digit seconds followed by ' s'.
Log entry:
6 h 42 min
